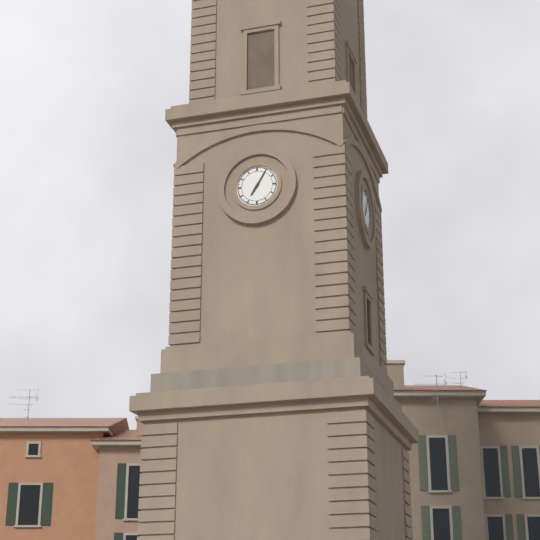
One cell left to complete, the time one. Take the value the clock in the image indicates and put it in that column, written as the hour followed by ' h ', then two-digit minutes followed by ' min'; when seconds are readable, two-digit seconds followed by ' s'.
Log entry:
7 h 05 min
